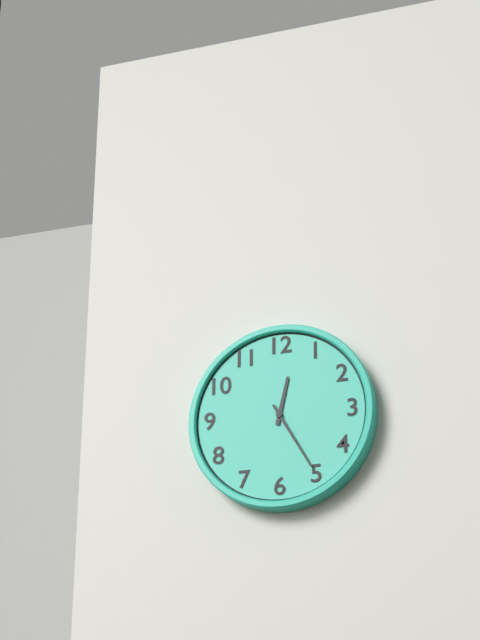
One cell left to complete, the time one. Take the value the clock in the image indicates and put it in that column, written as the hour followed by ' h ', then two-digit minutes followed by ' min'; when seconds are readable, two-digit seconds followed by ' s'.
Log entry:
12 h 25 min
